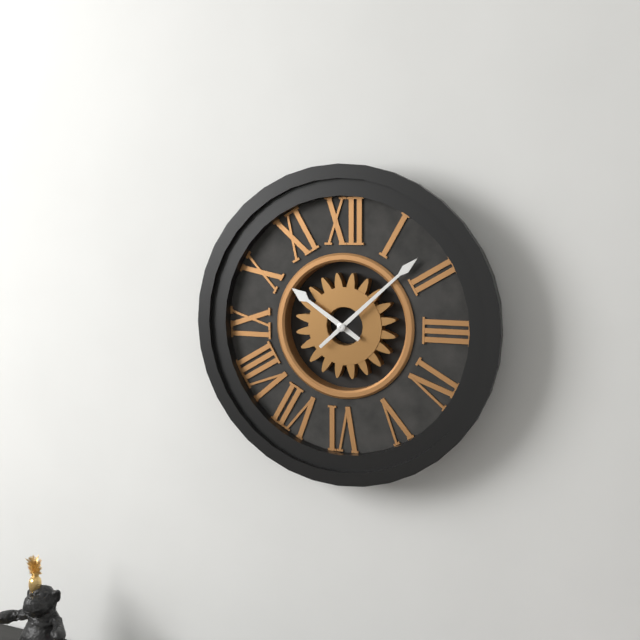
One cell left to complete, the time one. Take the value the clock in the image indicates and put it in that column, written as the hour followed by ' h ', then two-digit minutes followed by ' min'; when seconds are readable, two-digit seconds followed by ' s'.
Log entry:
10 h 08 min
